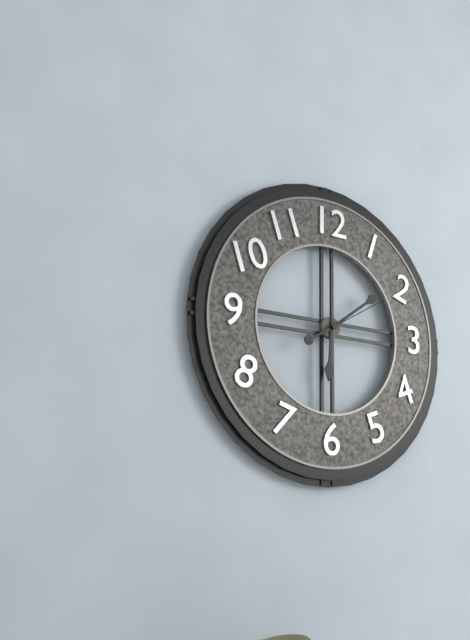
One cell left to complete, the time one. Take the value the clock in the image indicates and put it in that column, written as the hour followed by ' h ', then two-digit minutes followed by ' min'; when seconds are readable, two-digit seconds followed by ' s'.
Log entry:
6 h 09 min 10 s
